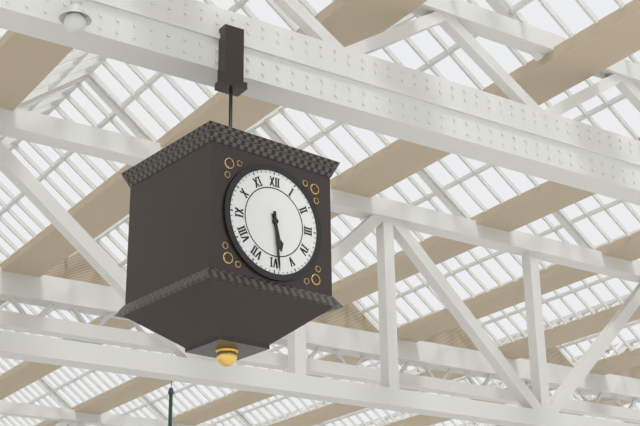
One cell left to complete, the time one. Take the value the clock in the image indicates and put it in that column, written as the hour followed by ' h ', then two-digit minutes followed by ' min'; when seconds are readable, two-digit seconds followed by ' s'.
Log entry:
5 h 29 min
